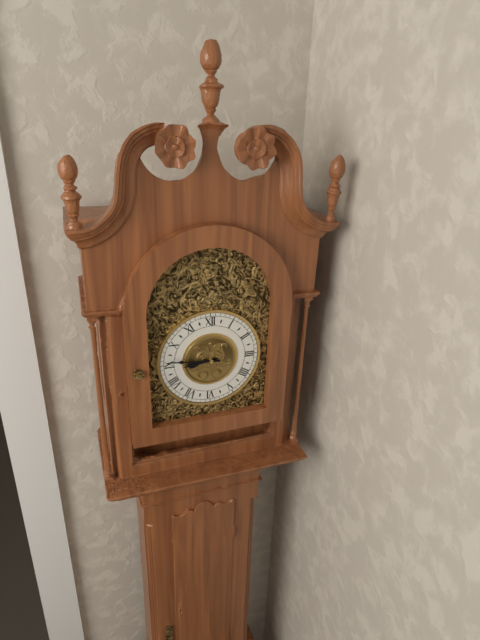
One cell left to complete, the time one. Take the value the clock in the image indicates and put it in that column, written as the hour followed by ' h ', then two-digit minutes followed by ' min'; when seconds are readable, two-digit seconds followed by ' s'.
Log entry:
8 h 46 min
